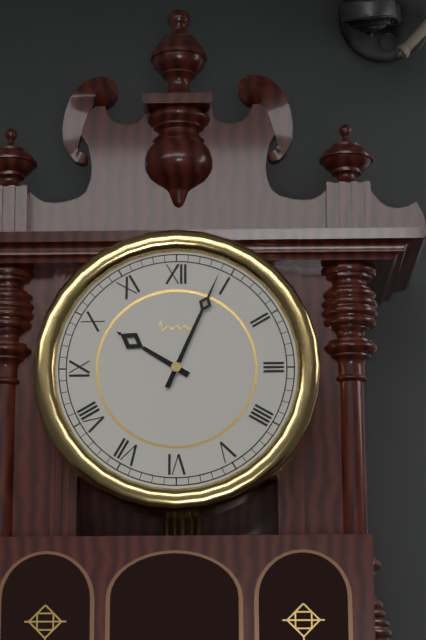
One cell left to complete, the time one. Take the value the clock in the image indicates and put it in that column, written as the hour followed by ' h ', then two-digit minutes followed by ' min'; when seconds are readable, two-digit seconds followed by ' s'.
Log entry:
10 h 04 min
